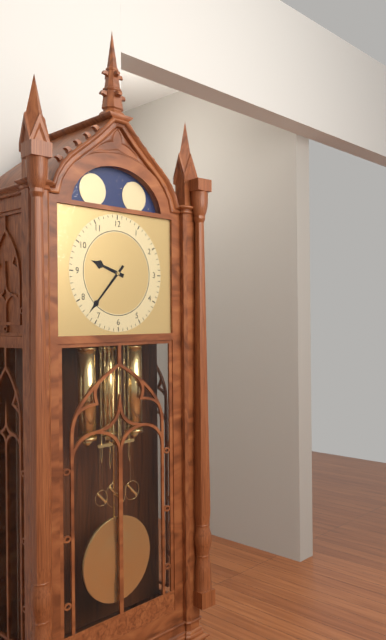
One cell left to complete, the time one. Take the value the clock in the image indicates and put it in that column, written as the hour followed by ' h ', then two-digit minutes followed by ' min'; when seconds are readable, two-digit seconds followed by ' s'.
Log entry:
9 h 37 min
